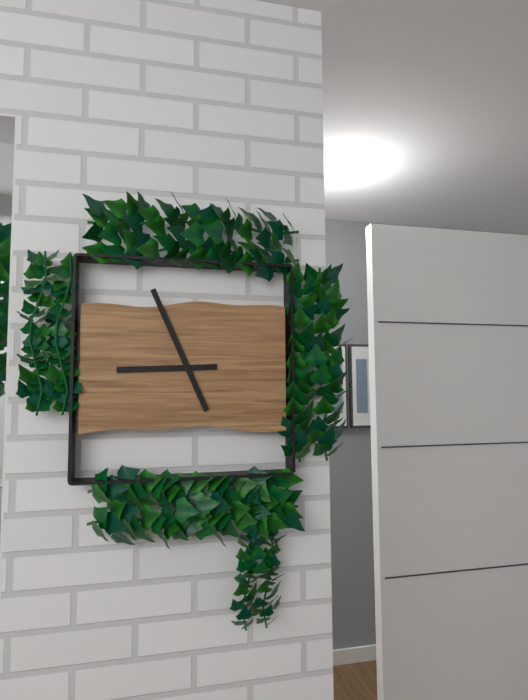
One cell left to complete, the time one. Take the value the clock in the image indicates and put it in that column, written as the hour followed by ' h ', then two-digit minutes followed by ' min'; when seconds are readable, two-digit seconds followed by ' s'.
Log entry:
8 h 56 min
